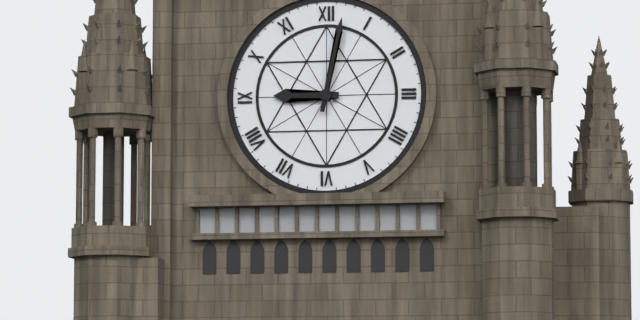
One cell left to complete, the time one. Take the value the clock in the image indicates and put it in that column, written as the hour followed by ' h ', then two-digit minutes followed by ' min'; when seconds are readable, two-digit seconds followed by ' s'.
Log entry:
9 h 02 min
